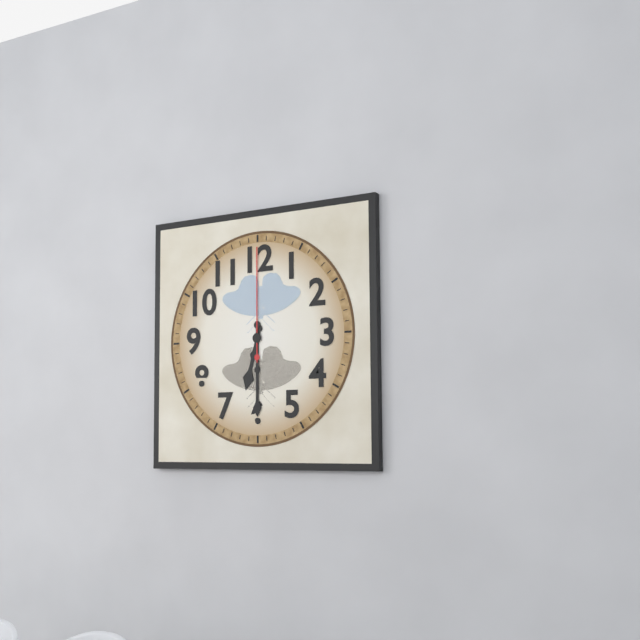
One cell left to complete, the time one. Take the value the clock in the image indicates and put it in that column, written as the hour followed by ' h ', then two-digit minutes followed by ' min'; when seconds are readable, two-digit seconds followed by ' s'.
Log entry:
6 h 30 min 00 s
